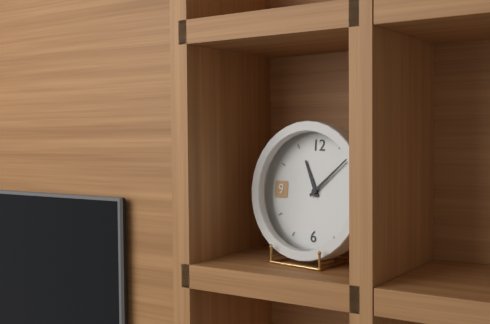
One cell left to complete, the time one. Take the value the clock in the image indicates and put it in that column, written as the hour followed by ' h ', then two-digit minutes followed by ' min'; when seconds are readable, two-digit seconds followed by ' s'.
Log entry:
11 h 08 min
